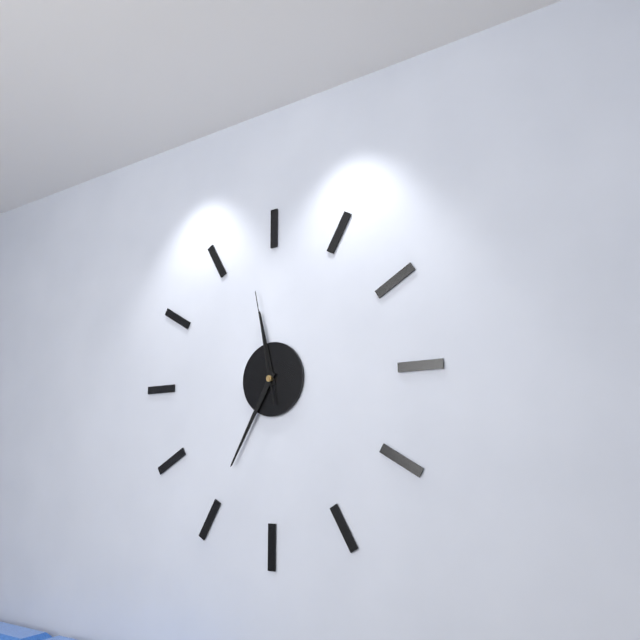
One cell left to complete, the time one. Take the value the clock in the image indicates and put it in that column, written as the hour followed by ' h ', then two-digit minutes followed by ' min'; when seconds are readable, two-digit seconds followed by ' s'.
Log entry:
11 h 35 min 58 s
